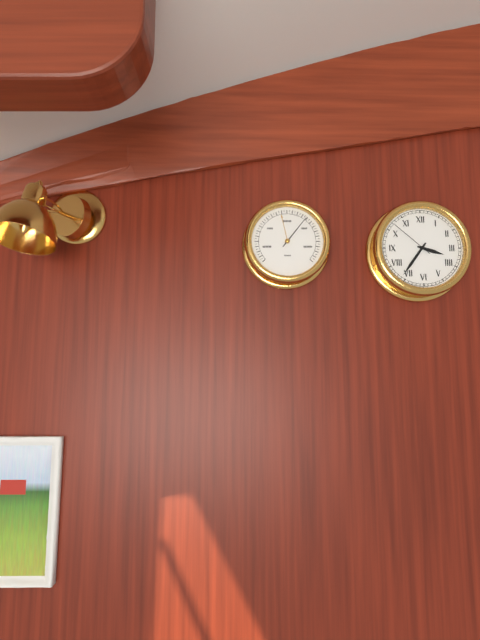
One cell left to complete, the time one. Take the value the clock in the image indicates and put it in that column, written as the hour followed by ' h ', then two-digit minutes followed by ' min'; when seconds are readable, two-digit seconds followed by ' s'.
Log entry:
3 h 36 min
